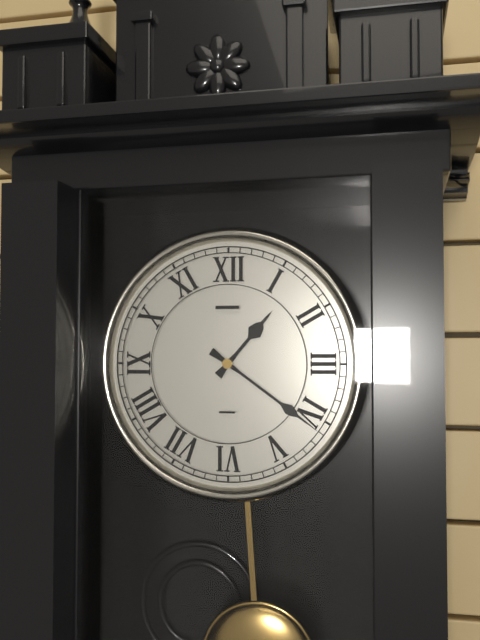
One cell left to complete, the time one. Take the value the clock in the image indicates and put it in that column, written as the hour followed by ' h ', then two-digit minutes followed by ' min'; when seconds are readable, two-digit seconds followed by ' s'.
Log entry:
1 h 21 min
